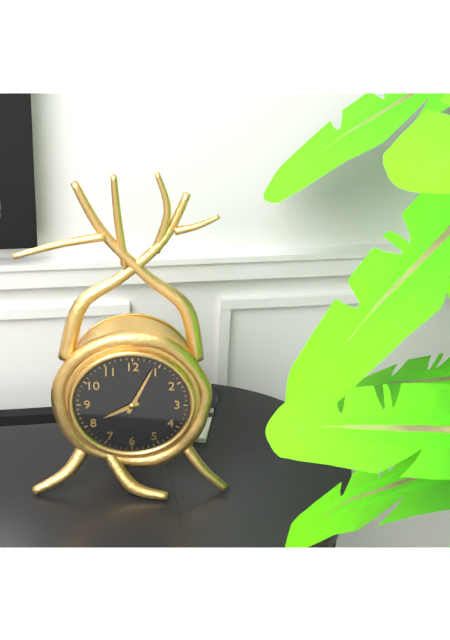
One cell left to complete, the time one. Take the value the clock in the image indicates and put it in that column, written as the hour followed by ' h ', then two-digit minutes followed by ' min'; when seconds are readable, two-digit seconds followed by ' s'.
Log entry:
8 h 04 min
